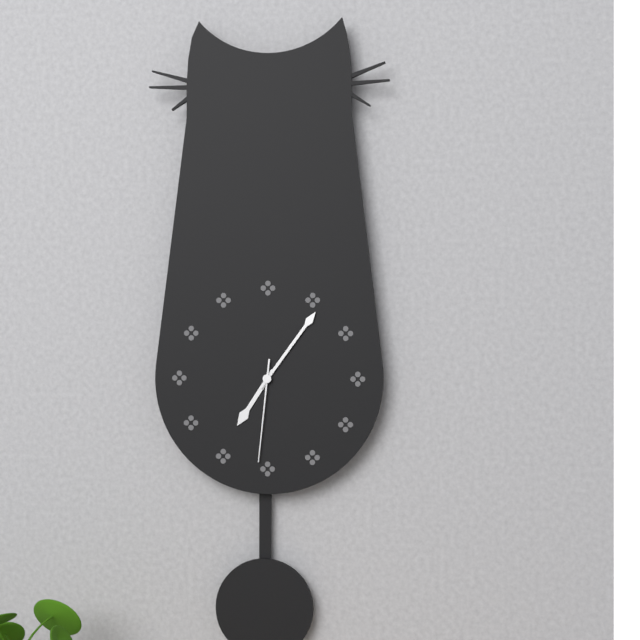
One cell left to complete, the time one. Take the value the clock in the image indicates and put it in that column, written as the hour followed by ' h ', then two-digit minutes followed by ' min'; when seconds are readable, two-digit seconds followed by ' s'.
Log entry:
7 h 06 min 31 s
